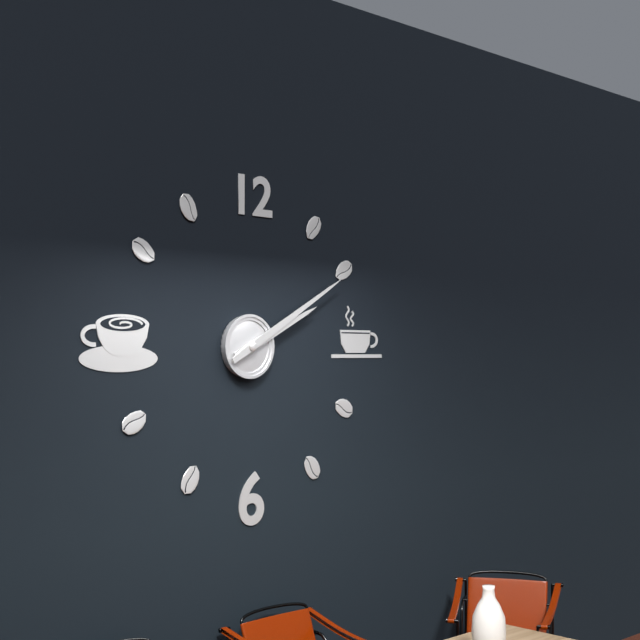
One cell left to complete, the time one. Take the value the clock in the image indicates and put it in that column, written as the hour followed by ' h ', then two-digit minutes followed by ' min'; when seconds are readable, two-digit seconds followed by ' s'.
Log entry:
2 h 10 min
